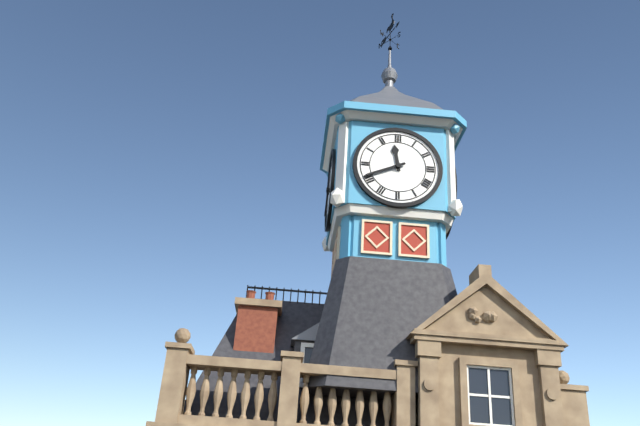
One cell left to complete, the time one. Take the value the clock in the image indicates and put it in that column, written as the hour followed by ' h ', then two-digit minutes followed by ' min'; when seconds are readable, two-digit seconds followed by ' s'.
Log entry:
11 h 41 min
